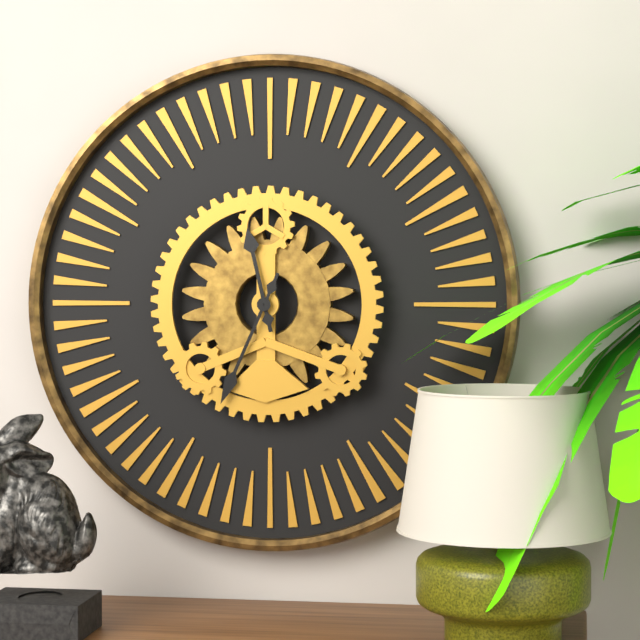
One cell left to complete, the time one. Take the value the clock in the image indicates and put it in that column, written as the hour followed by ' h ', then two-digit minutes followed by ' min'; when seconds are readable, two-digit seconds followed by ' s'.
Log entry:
11 h 34 min
